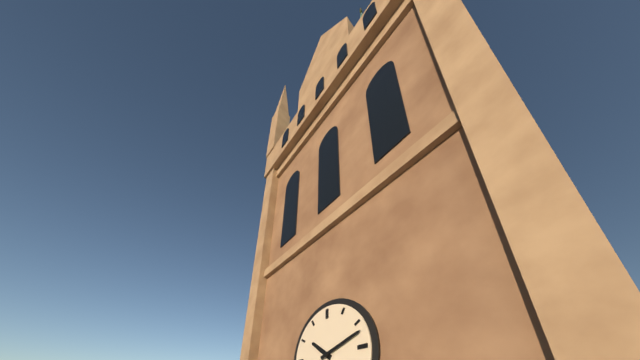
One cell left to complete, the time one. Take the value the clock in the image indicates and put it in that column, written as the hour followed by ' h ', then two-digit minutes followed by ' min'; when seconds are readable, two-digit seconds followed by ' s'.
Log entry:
10 h 12 min
